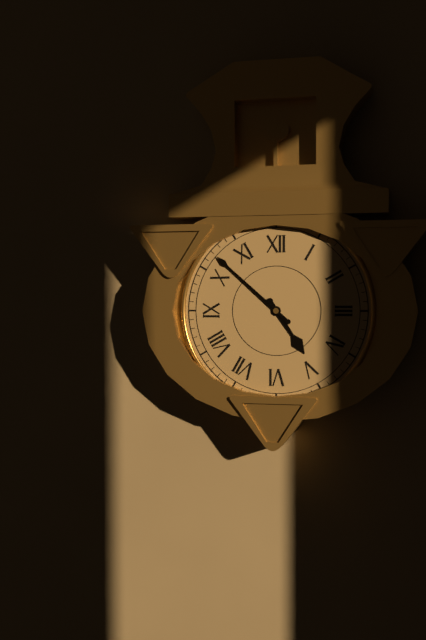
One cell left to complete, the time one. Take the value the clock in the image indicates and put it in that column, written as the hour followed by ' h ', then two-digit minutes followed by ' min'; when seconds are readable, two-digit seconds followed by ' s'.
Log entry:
4 h 52 min
